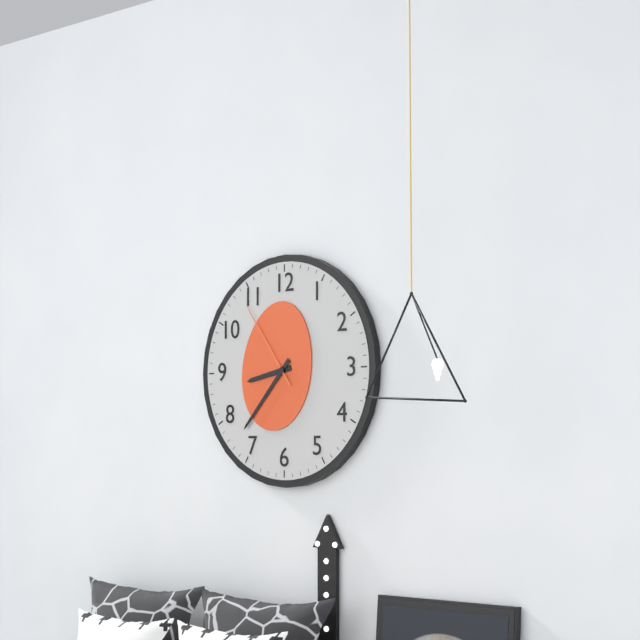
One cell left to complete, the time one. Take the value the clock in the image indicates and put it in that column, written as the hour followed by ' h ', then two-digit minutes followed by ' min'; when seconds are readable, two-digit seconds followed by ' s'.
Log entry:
8 h 37 min 54 s
